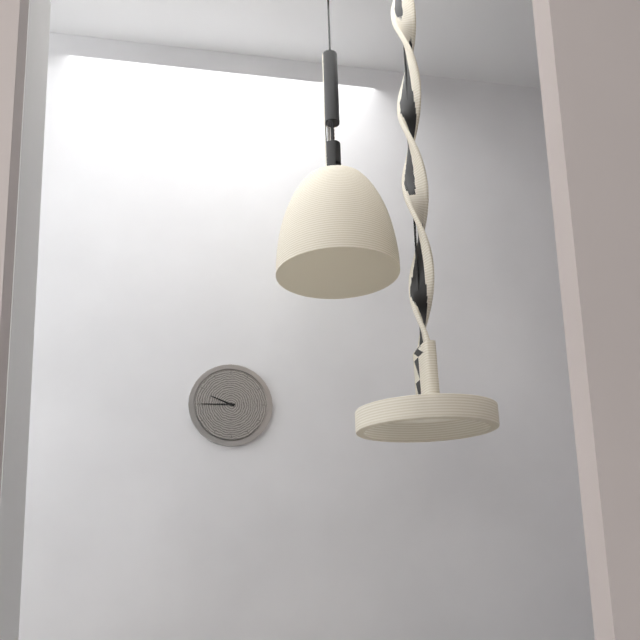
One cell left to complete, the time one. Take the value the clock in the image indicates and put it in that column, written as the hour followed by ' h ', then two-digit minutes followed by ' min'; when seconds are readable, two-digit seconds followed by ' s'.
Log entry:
9 h 45 min
